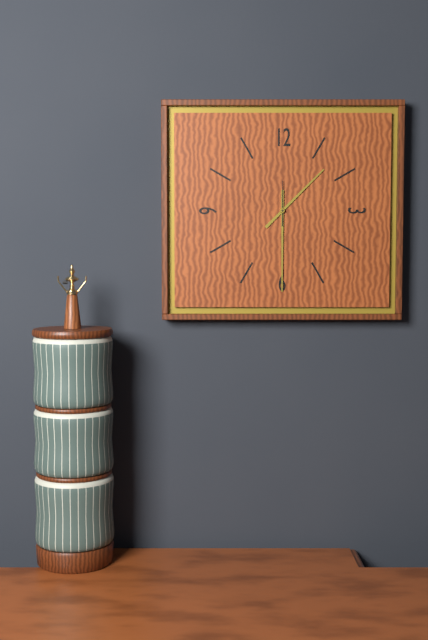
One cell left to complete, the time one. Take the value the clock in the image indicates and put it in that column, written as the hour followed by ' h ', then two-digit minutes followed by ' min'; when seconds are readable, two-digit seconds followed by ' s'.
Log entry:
1 h 30 min
